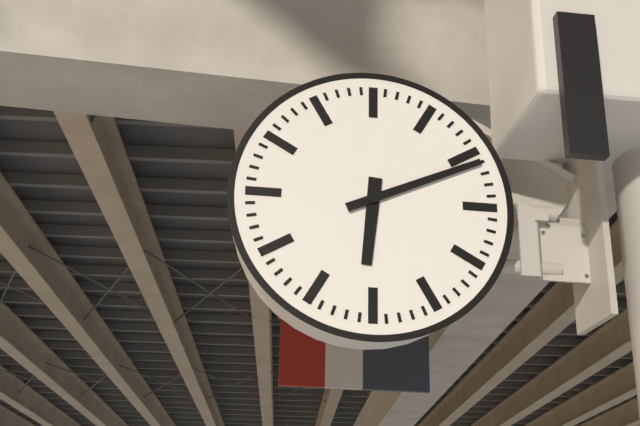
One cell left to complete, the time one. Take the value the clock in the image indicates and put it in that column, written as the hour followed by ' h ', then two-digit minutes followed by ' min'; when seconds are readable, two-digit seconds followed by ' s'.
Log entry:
6 h 11 min
